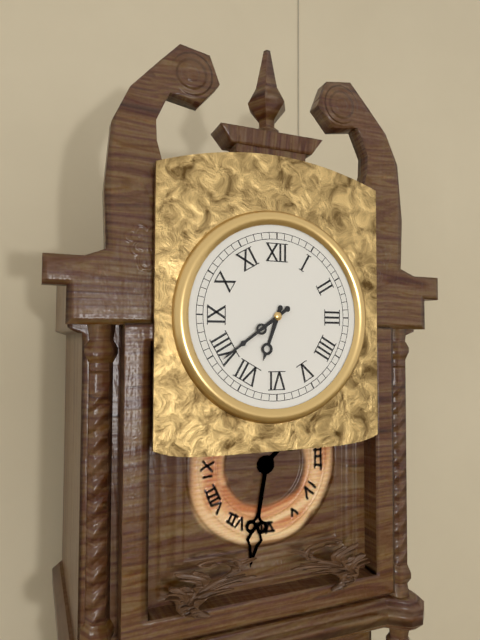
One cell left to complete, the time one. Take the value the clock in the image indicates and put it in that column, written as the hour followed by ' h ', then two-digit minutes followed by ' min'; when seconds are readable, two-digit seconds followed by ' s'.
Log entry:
6 h 39 min
